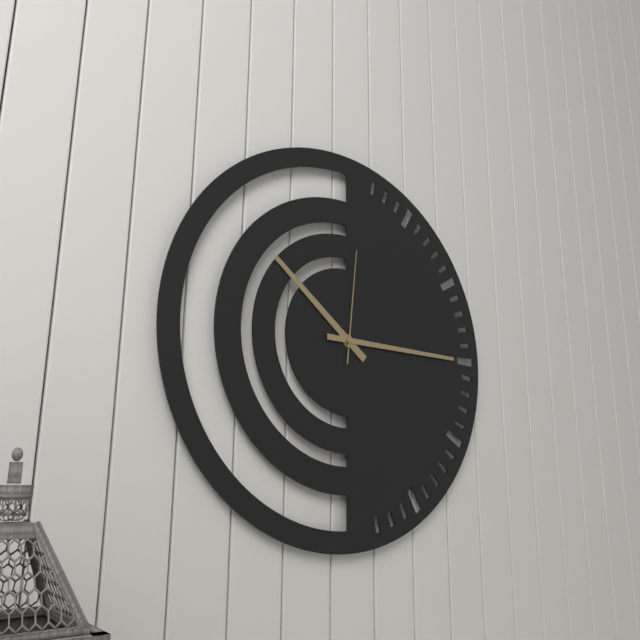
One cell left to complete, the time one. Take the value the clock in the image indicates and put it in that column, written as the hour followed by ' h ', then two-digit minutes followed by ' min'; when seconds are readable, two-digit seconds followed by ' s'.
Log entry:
10 h 15 min 01 s
